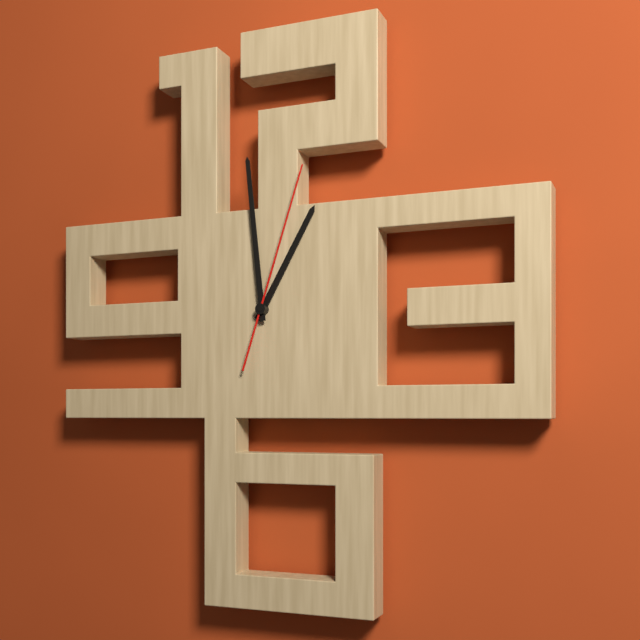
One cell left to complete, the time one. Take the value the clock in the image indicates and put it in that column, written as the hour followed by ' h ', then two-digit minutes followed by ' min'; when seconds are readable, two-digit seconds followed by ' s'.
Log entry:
12 h 59 min 03 s
